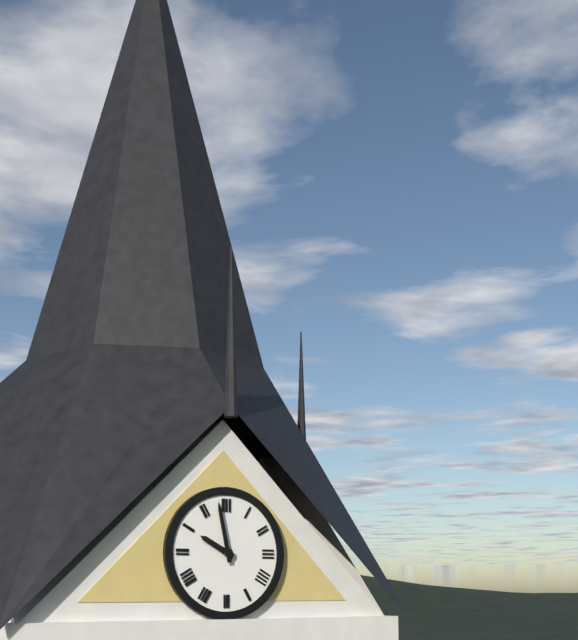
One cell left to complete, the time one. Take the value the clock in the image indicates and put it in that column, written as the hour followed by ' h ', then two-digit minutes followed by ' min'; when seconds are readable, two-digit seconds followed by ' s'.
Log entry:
9 h 58 min
